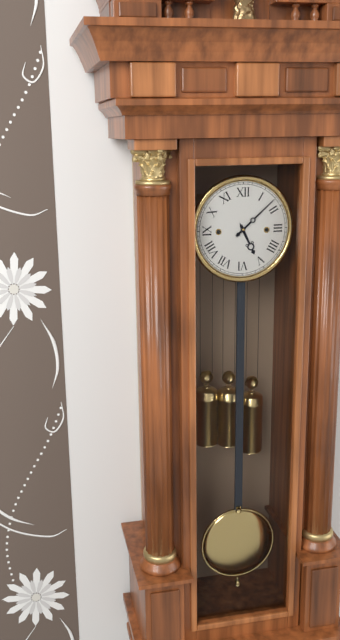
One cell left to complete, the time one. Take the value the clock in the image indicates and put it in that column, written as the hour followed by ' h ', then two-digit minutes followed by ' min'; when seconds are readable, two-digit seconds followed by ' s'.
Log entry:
5 h 08 min
